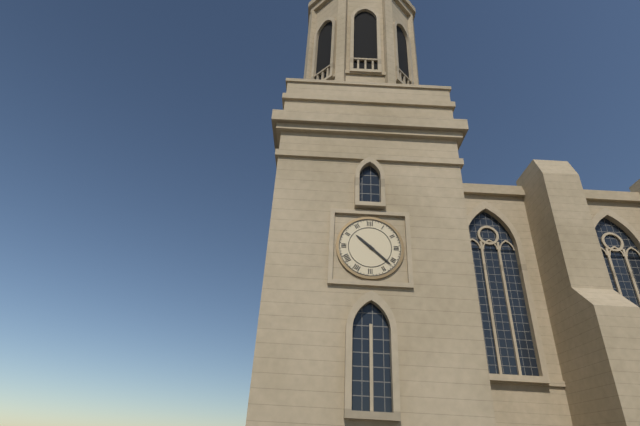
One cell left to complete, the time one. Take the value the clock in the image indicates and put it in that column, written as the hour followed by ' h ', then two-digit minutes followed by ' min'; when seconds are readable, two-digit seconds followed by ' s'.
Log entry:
10 h 22 min
